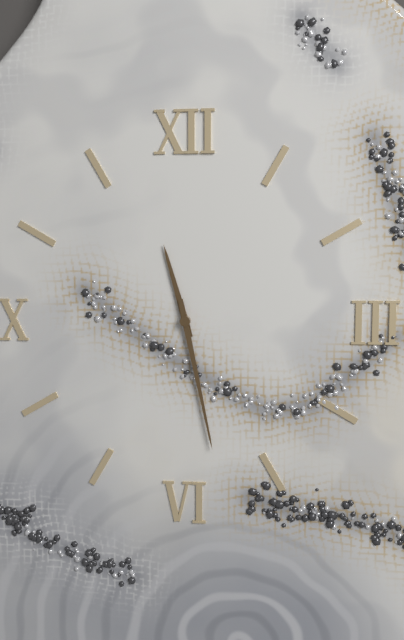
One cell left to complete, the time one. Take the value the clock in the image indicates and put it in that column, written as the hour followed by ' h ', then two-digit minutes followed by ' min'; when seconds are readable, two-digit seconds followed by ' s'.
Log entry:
11 h 28 min
